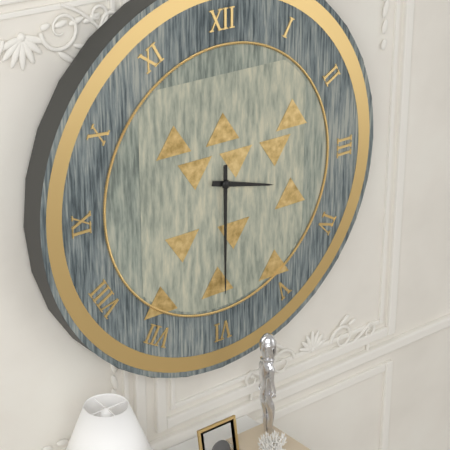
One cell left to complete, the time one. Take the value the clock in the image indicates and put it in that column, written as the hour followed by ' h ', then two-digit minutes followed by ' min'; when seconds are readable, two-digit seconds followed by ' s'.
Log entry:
3 h 30 min
